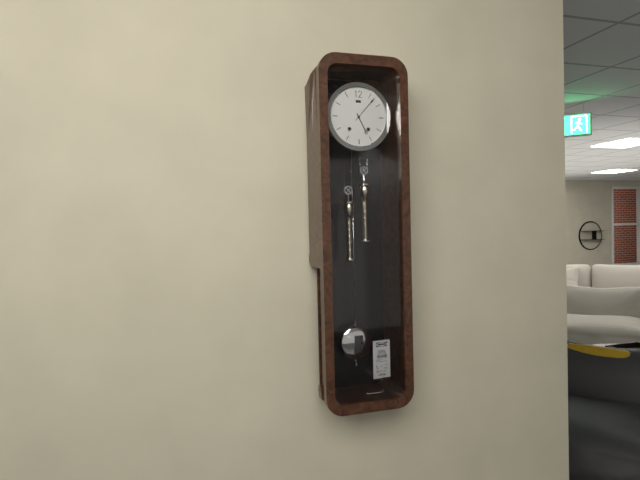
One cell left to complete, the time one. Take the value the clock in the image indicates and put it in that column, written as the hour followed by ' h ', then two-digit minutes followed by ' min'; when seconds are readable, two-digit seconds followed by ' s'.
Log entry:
5 h 07 min
